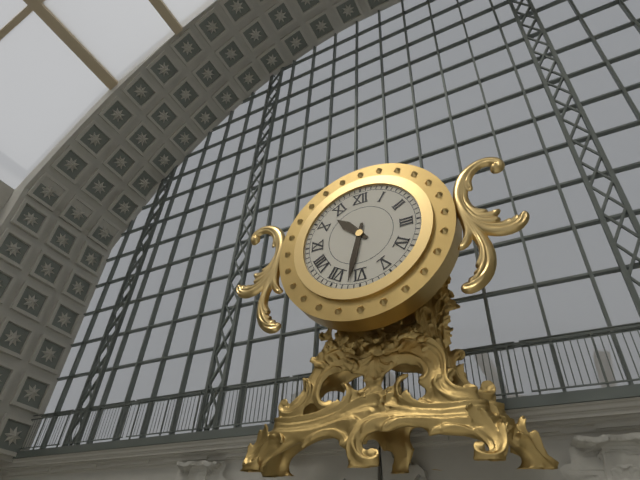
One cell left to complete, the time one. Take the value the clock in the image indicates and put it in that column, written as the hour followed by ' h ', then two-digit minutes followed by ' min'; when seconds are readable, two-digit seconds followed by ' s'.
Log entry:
10 h 32 min
